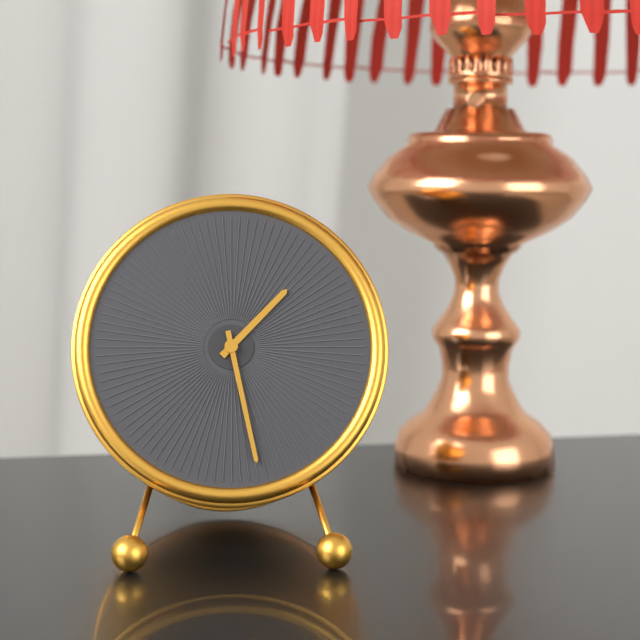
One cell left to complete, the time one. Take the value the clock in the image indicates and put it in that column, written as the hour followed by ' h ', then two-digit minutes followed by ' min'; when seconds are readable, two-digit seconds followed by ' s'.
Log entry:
1 h 28 min
